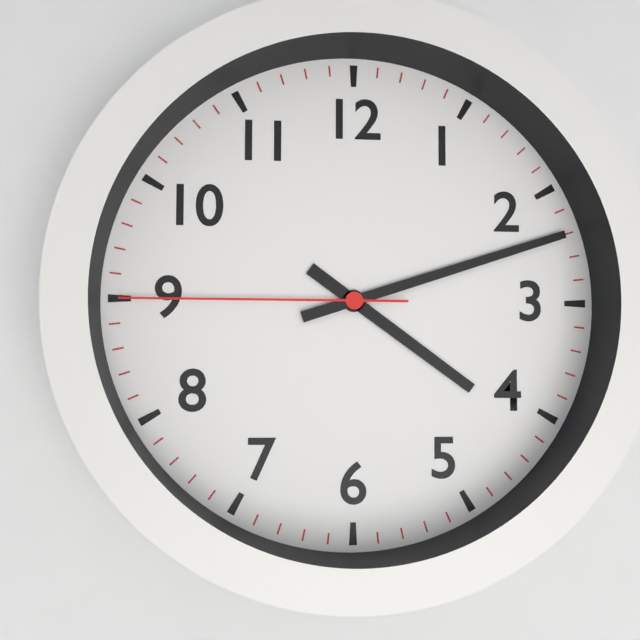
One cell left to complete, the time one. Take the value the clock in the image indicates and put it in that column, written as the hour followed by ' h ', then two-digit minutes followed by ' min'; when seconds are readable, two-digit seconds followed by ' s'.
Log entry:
4 h 12 min 45 s
